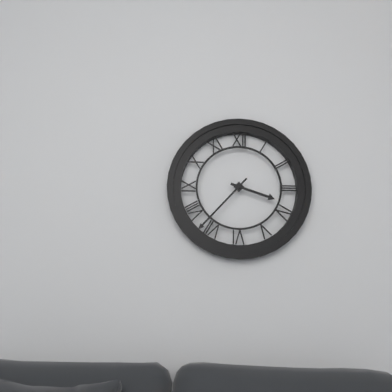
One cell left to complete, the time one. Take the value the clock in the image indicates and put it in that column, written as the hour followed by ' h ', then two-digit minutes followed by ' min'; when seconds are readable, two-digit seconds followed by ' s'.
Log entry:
3 h 37 min
